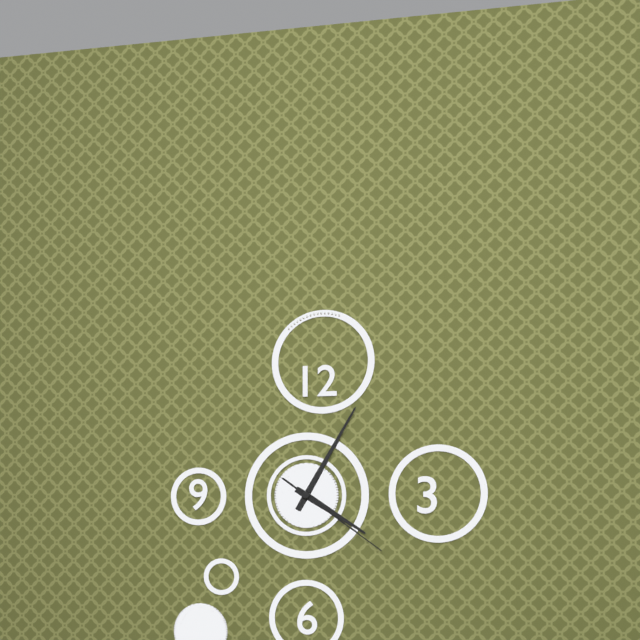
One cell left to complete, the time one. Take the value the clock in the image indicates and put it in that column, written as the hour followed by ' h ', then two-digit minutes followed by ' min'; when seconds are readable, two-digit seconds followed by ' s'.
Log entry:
4 h 05 min 21 s
